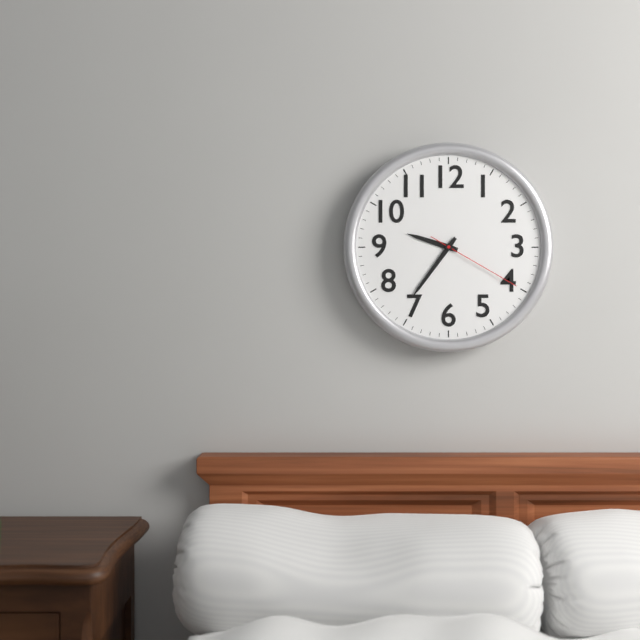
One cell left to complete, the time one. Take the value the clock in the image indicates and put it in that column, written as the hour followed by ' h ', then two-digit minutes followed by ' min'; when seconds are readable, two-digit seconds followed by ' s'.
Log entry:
9 h 36 min 20 s
